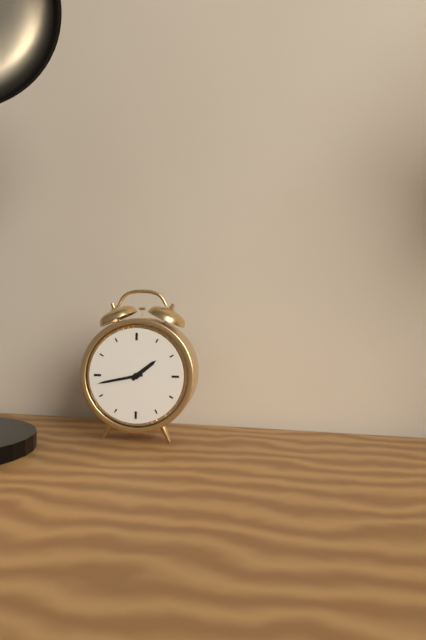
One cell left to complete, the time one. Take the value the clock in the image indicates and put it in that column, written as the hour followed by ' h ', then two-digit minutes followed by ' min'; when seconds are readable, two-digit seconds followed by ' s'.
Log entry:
1 h 43 min
